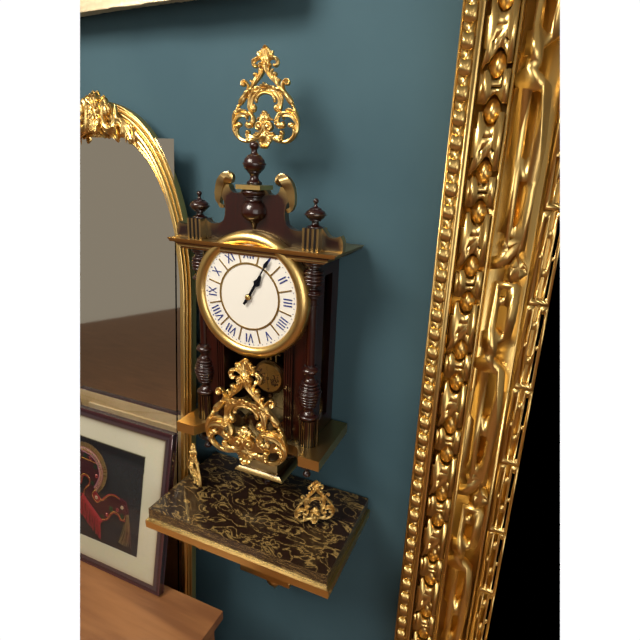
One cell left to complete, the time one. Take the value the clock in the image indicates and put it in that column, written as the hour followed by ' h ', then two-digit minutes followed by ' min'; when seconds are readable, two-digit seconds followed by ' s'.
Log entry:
1 h 05 min
